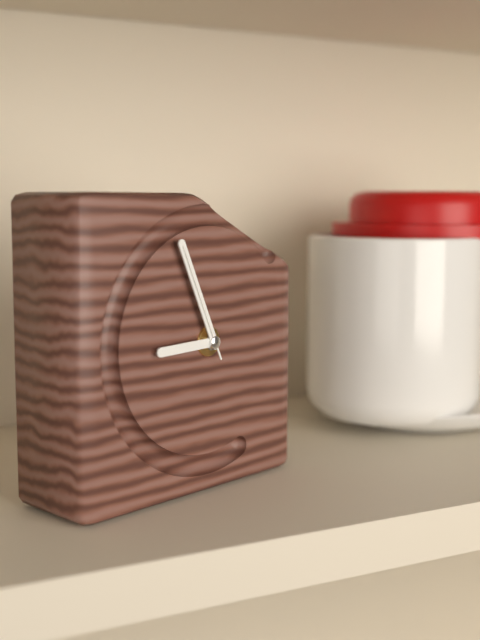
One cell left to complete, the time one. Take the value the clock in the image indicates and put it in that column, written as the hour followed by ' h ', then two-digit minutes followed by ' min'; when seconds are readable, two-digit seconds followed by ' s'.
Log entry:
8 h 56 min 56 s
